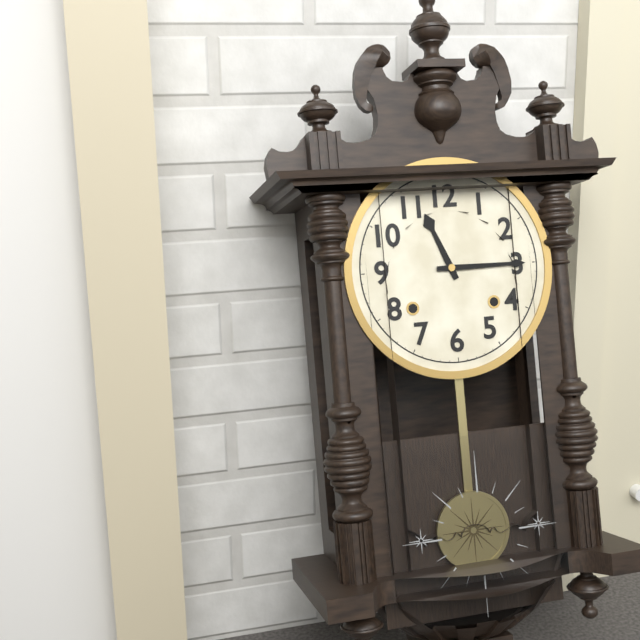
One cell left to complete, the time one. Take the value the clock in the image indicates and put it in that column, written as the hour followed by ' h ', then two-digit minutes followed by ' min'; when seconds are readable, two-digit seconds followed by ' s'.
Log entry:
11 h 15 min
